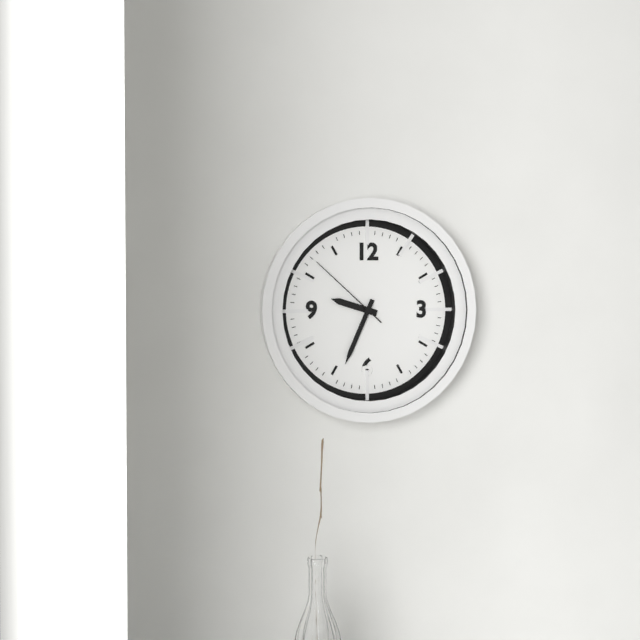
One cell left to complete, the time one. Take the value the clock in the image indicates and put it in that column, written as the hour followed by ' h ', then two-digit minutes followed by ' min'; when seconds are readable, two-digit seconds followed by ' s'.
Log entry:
9 h 34 min 52 s
